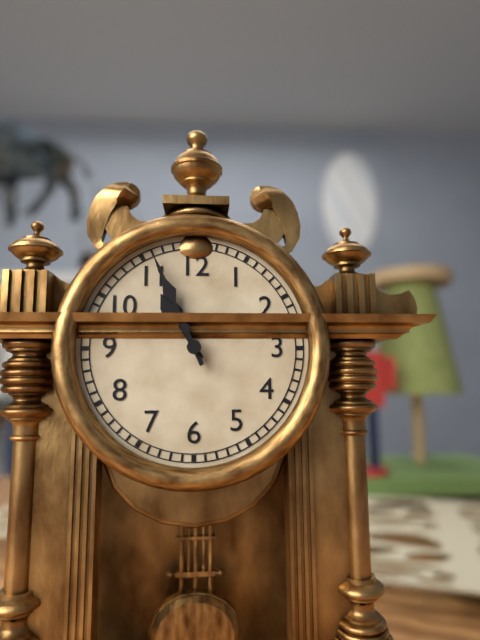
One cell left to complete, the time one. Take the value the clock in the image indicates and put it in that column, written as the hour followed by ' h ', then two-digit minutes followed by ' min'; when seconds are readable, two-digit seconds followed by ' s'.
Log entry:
10 h 56 min
